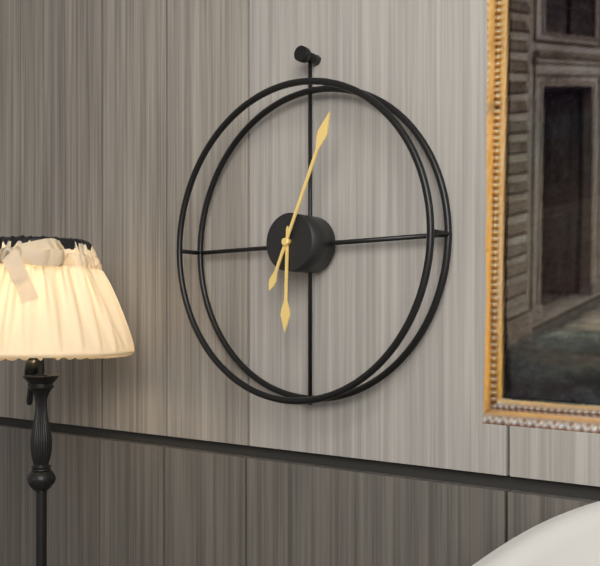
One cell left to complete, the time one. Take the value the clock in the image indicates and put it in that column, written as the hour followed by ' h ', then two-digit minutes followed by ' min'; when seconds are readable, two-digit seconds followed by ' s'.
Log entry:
6 h 04 min
